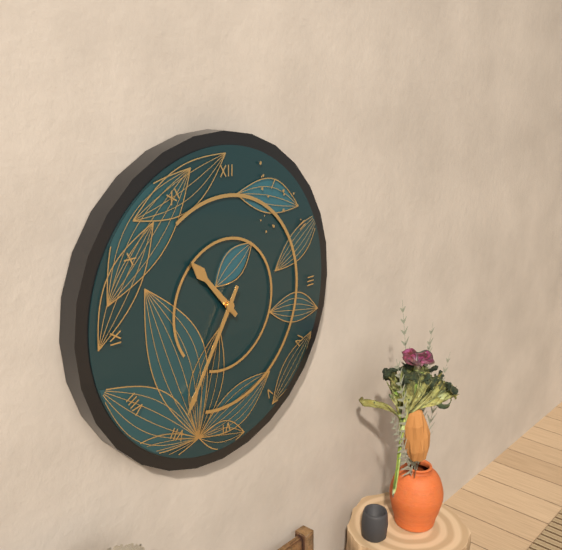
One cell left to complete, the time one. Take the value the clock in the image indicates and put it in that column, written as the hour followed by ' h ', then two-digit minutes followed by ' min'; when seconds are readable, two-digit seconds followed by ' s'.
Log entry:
10 h 35 min
